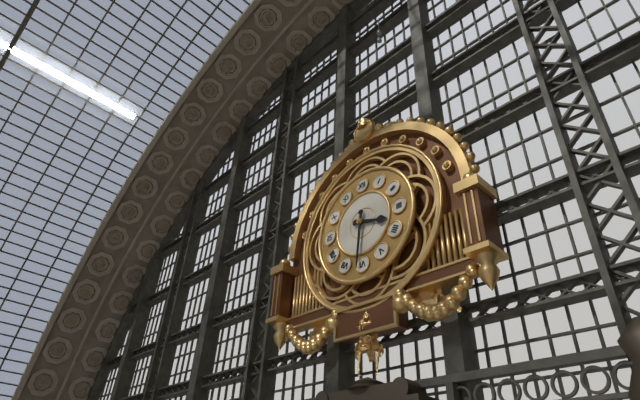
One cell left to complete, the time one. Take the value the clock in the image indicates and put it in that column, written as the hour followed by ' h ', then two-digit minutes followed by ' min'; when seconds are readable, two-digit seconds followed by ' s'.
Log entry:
3 h 31 min
